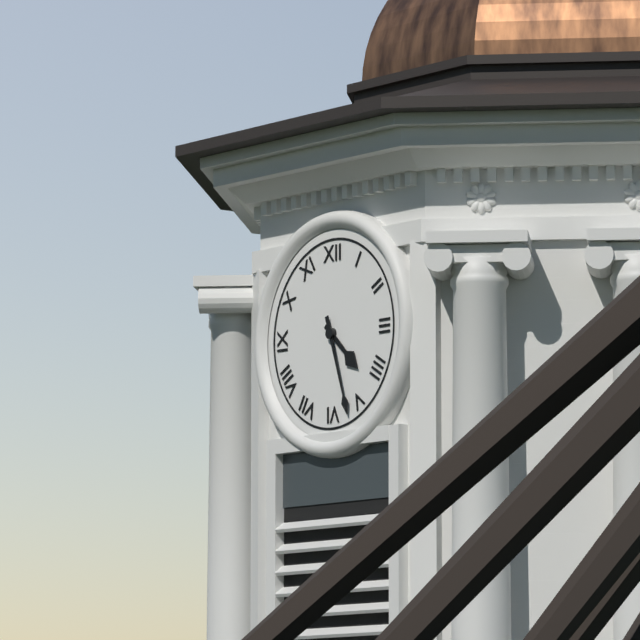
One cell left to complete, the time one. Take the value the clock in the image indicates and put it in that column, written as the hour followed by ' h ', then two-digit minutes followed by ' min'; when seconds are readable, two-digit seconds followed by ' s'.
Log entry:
4 h 27 min
